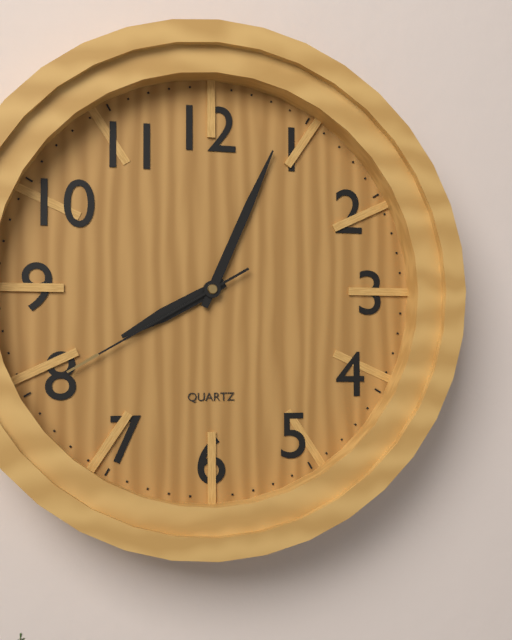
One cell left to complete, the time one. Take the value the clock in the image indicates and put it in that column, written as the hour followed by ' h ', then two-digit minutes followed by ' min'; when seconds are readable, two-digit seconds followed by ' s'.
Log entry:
8 h 04 min 40 s
